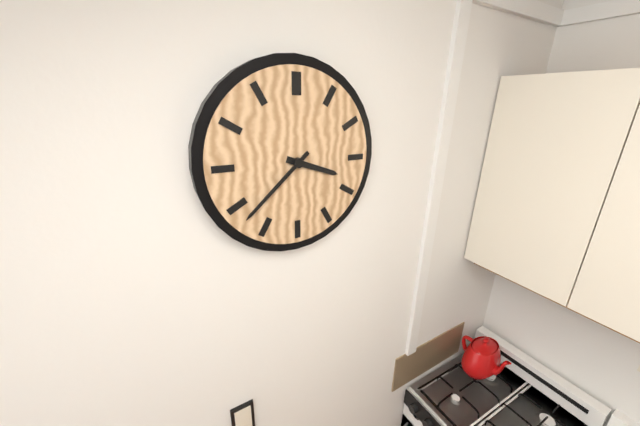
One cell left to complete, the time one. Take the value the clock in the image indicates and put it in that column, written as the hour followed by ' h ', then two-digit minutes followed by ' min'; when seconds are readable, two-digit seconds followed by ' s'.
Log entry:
3 h 38 min
